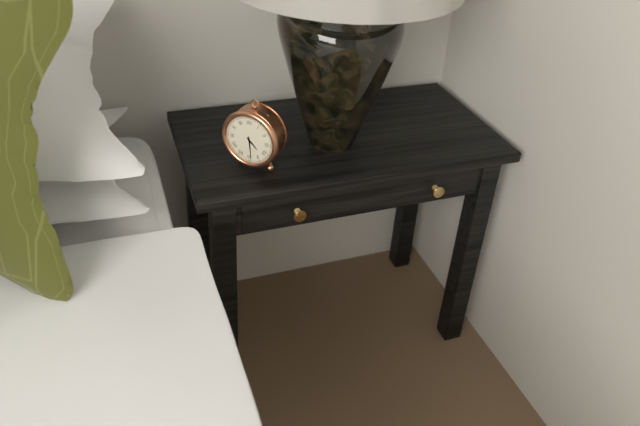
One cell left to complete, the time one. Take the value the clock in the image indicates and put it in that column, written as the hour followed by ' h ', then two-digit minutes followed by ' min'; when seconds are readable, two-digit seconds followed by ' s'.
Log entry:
4 h 29 min
